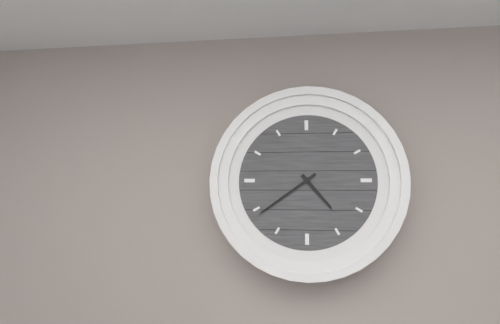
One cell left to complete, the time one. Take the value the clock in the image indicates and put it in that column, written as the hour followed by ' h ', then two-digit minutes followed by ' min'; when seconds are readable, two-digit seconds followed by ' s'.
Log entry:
4 h 39 min
